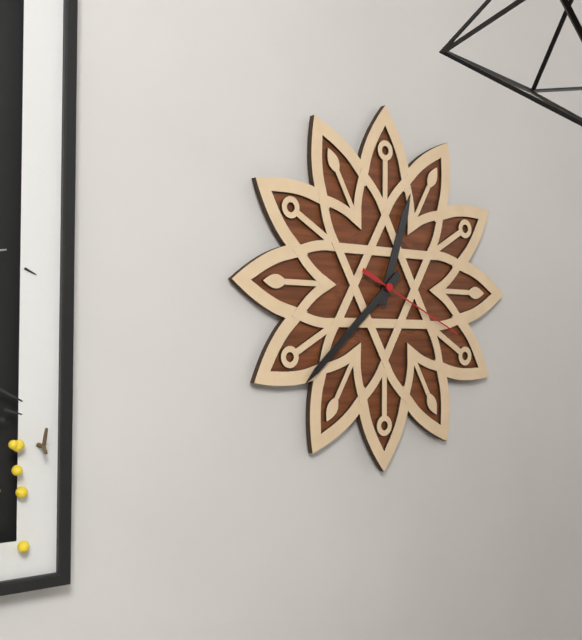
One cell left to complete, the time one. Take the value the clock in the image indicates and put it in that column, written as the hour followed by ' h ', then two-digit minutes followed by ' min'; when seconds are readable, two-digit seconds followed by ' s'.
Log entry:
12 h 38 min 19 s
